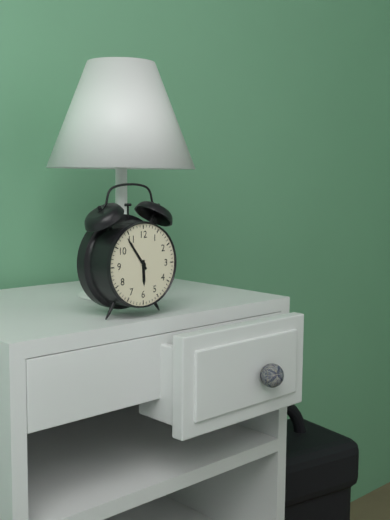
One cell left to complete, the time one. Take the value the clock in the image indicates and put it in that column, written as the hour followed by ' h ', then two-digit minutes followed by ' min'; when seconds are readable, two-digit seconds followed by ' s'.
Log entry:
5 h 54 min
